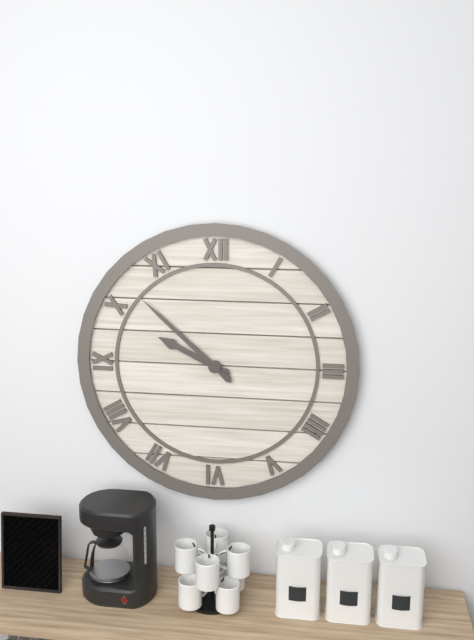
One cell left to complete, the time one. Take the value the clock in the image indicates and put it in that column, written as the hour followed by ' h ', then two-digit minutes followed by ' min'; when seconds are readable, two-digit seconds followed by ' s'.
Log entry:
9 h 52 min
